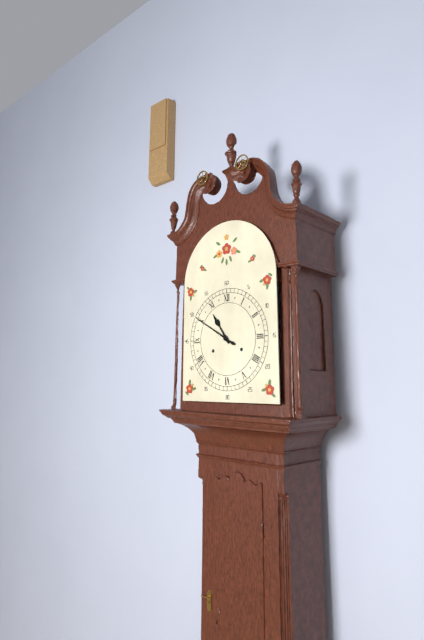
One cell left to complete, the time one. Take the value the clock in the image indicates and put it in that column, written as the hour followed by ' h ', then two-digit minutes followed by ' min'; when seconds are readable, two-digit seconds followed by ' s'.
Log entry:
10 h 50 min
